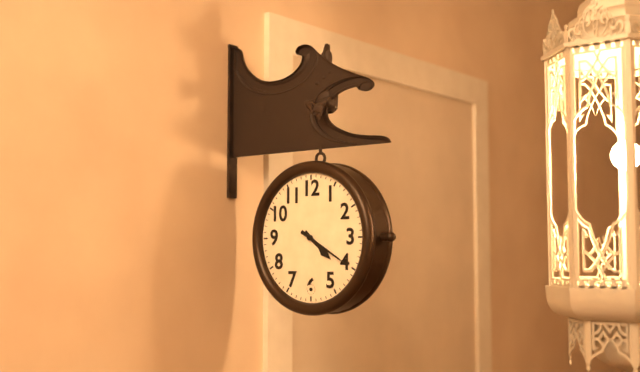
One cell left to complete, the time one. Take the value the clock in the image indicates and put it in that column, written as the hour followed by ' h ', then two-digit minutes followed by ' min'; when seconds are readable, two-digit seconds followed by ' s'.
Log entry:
4 h 20 min
